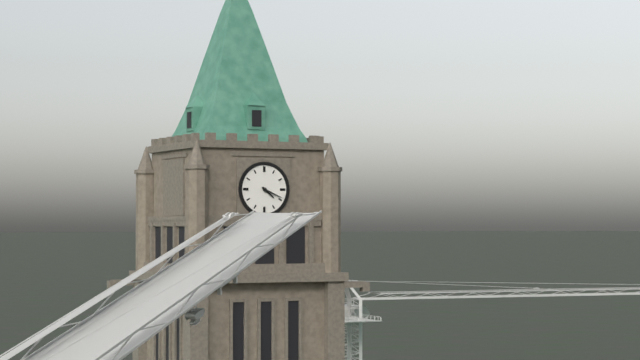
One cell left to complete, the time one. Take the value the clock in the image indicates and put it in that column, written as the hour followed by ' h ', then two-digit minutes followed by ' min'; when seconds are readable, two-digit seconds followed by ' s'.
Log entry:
4 h 19 min
